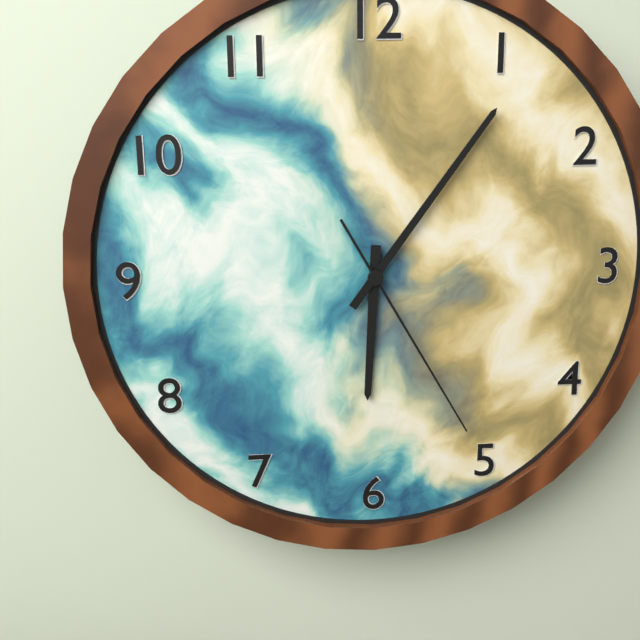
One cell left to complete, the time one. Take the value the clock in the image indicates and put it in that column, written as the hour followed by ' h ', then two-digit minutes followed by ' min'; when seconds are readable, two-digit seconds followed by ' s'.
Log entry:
6 h 06 min 25 s
